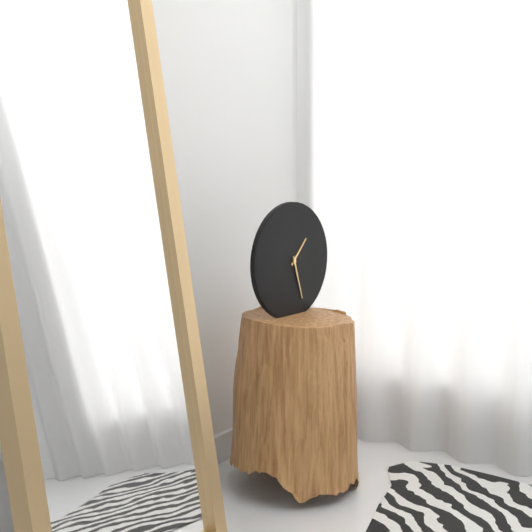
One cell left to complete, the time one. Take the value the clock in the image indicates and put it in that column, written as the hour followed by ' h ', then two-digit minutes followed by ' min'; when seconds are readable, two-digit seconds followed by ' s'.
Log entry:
1 h 27 min
